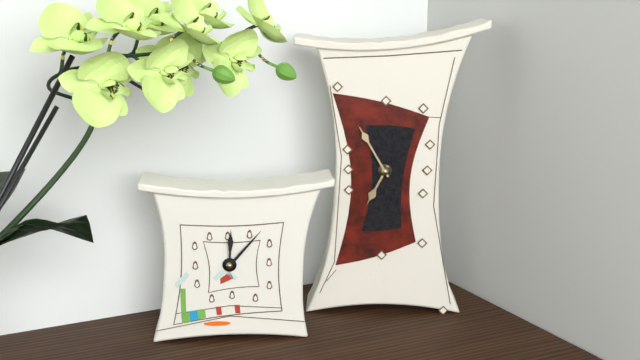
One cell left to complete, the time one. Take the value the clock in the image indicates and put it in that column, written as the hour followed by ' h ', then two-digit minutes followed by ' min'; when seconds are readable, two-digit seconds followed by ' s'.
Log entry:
6 h 55 min
